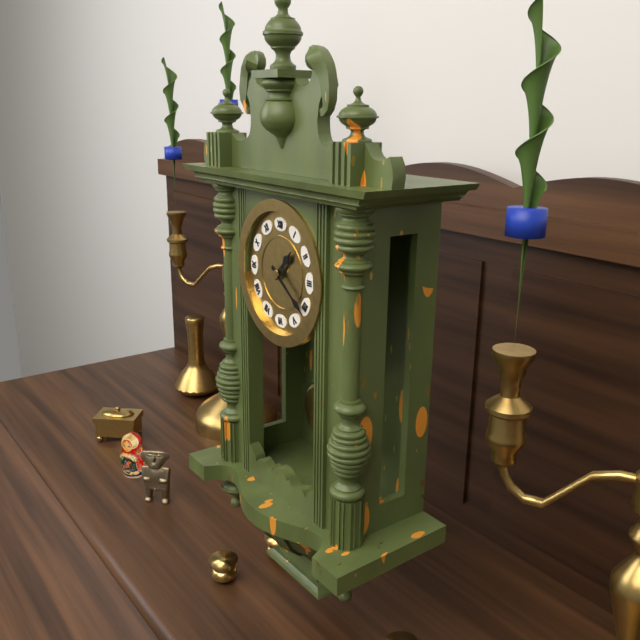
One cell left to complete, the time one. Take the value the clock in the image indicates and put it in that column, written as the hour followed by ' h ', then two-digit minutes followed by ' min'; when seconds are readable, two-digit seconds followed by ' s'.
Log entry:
1 h 21 min
